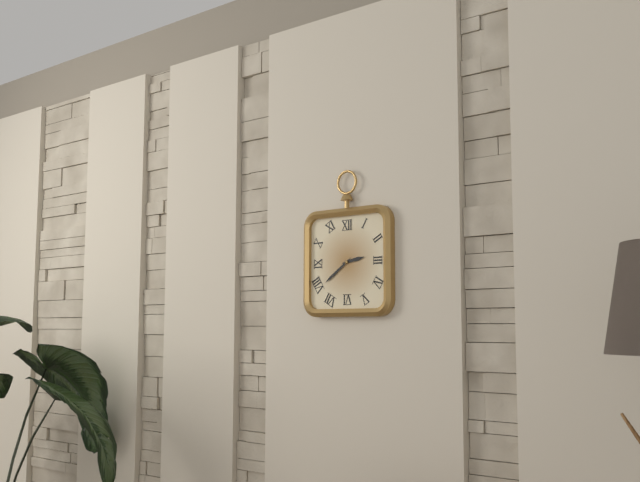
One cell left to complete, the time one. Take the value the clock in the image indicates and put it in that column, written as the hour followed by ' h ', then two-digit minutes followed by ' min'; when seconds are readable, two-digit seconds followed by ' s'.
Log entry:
2 h 39 min
